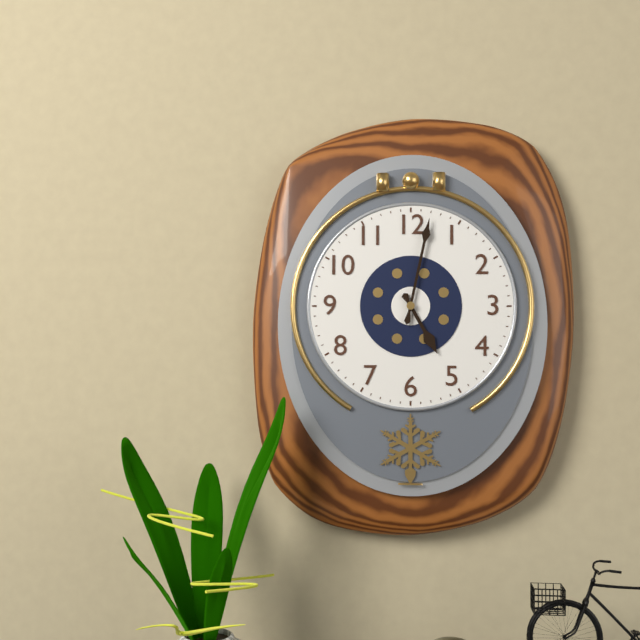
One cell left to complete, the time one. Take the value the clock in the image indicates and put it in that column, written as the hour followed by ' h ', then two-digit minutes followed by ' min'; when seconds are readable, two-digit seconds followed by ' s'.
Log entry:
5 h 02 min
